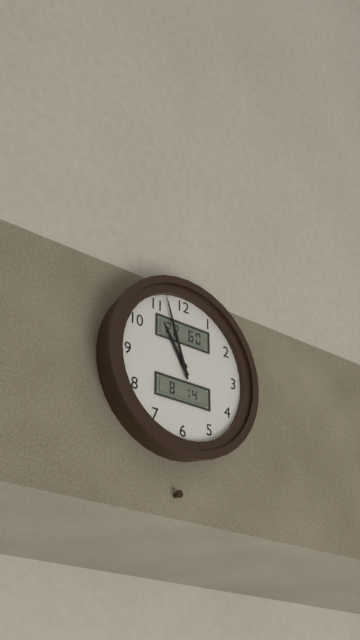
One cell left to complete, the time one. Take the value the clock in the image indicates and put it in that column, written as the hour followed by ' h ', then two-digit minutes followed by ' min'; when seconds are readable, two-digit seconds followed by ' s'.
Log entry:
10 h 57 min
